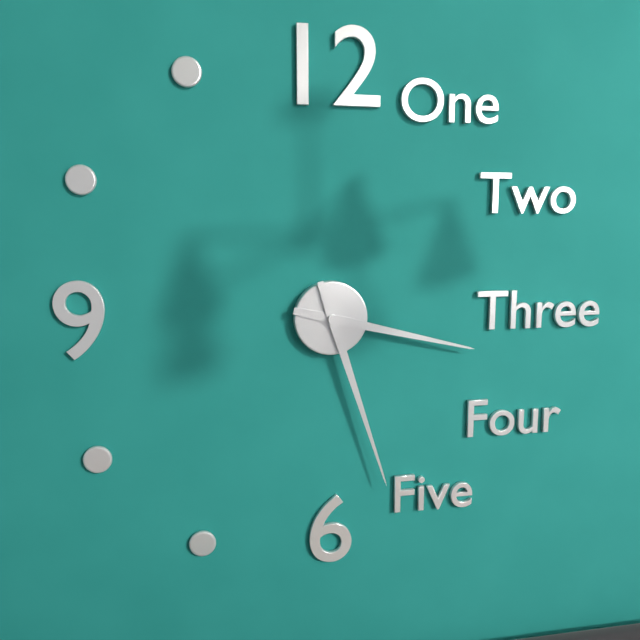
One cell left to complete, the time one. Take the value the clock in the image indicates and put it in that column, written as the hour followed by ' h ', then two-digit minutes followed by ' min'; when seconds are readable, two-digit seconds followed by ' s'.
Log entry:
3 h 27 min
